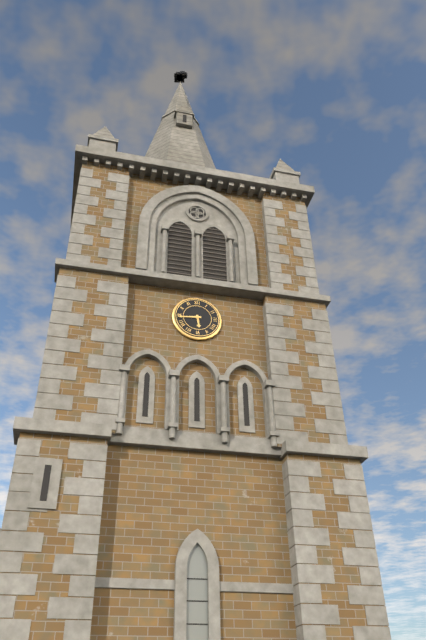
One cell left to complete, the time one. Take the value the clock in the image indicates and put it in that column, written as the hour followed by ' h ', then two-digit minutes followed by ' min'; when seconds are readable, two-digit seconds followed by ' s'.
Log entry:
5 h 44 min
